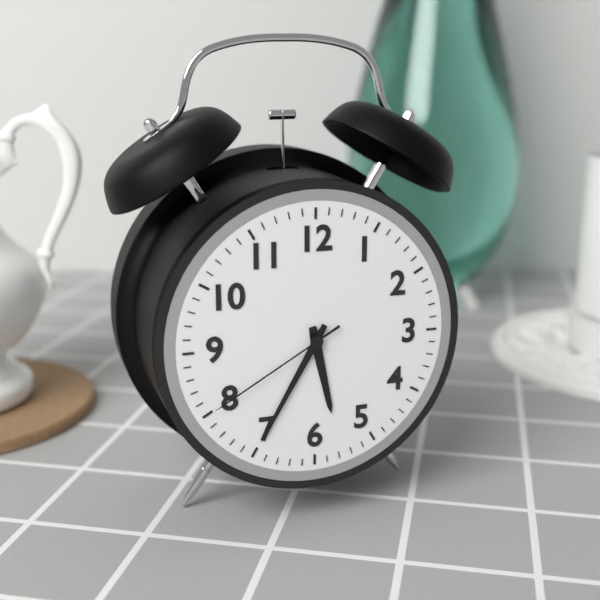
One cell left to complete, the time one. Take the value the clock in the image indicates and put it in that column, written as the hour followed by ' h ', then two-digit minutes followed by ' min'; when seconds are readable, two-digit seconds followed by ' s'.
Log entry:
5 h 35 min 40 s
